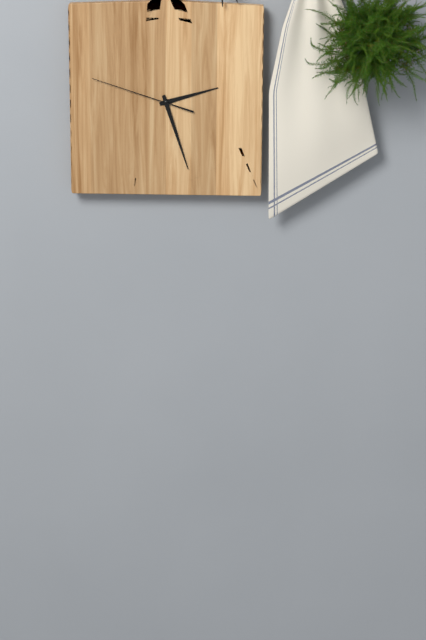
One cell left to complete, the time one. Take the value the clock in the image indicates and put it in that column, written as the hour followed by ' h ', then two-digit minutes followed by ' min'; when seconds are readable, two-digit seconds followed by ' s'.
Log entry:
2 h 27 min 48 s
